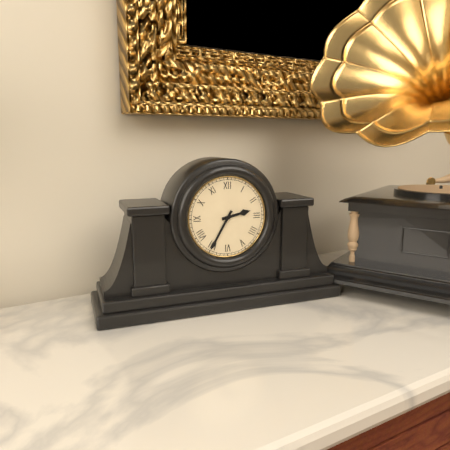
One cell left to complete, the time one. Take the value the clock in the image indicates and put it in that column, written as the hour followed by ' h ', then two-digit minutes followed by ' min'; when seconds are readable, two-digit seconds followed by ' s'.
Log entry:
2 h 35 min
